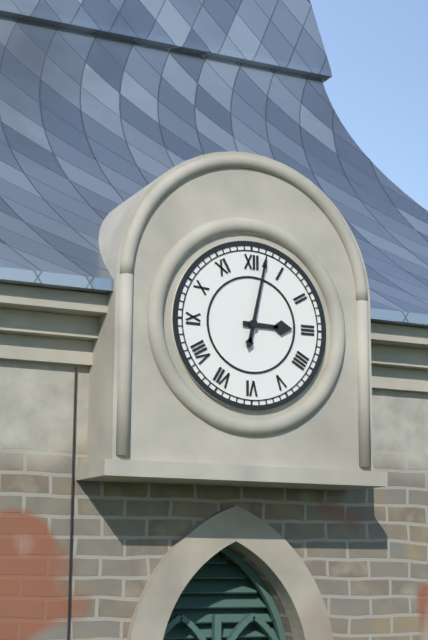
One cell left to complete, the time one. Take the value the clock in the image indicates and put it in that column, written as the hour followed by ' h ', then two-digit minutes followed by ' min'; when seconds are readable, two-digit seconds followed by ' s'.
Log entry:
3 h 02 min
